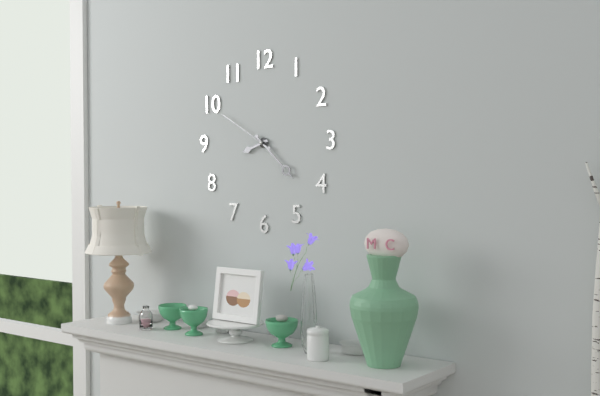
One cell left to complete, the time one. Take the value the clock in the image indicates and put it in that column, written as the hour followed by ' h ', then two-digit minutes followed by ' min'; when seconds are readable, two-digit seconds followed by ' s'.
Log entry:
8 h 22 min 50 s
